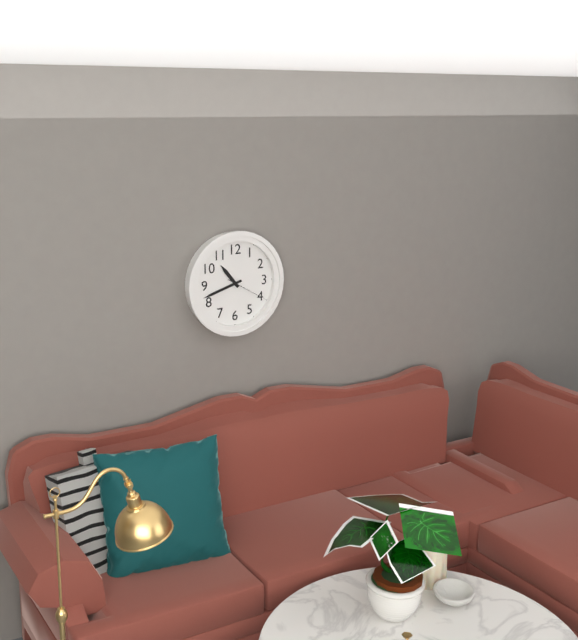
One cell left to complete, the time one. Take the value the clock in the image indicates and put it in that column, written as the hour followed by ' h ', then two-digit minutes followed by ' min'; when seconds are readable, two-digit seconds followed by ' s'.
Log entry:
10 h 42 min
